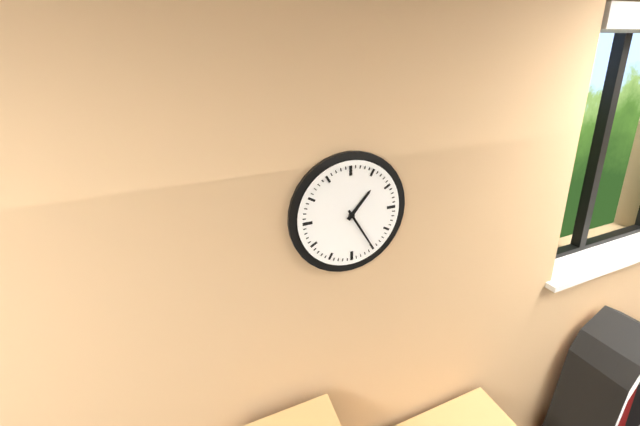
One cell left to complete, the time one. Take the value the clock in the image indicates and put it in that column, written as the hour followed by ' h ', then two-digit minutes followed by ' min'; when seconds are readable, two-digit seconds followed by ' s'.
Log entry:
1 h 25 min
